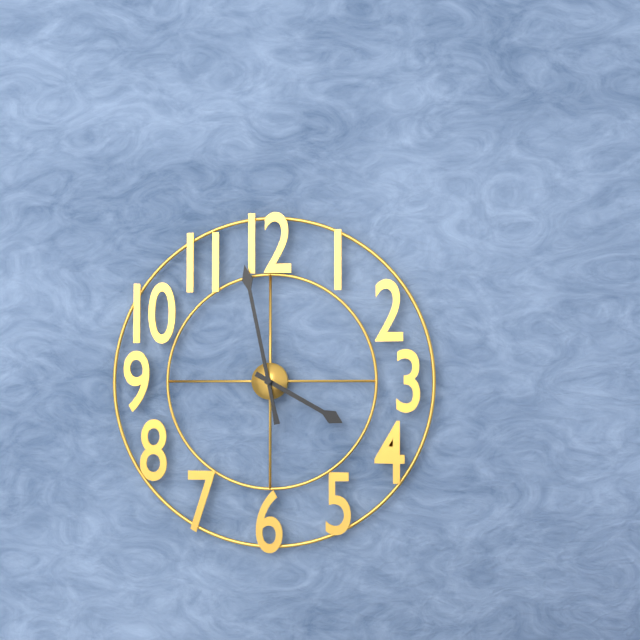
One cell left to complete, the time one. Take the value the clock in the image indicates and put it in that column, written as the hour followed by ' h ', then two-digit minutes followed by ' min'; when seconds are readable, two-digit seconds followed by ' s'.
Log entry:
3 h 58 min
